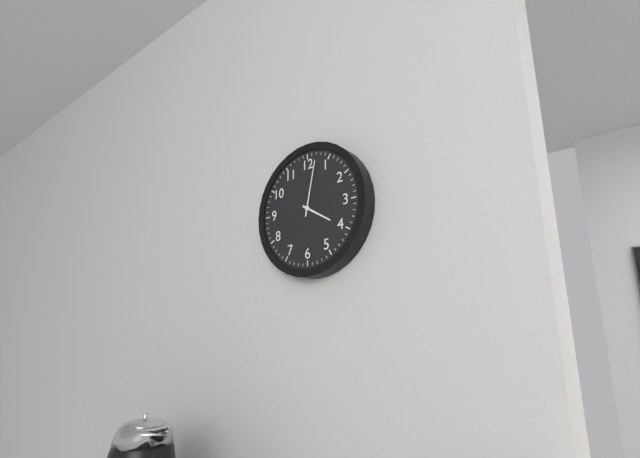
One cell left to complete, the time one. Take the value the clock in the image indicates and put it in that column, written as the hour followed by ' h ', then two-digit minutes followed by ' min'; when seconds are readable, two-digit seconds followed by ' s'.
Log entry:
4 h 02 min
